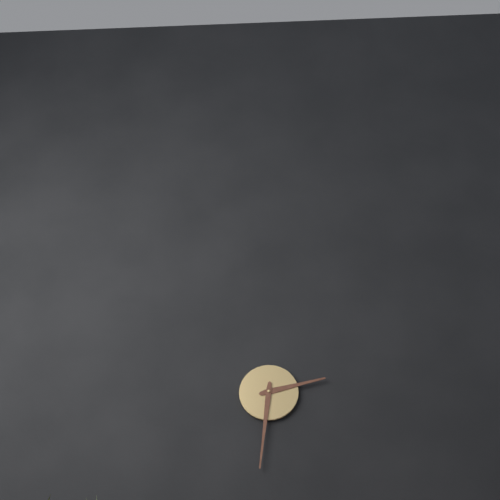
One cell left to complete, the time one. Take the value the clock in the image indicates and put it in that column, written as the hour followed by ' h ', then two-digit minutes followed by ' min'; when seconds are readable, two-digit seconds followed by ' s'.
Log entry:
2 h 31 min
